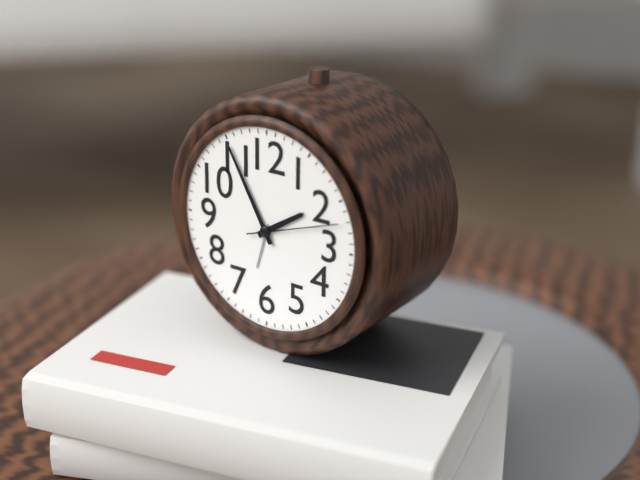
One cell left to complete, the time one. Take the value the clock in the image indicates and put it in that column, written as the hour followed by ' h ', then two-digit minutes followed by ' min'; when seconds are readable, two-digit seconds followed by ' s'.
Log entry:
1 h 55 min 12 s
